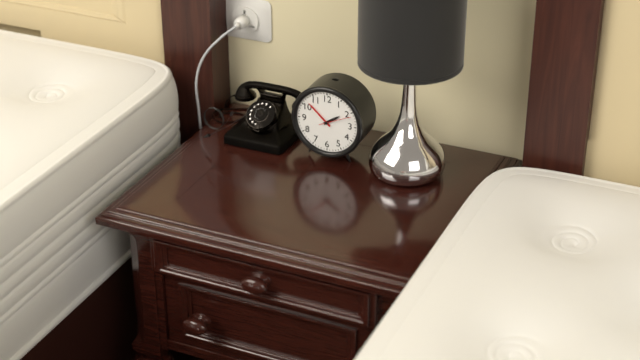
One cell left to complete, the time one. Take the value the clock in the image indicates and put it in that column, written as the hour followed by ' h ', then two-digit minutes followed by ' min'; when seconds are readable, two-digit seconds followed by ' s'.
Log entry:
1 h 52 min
